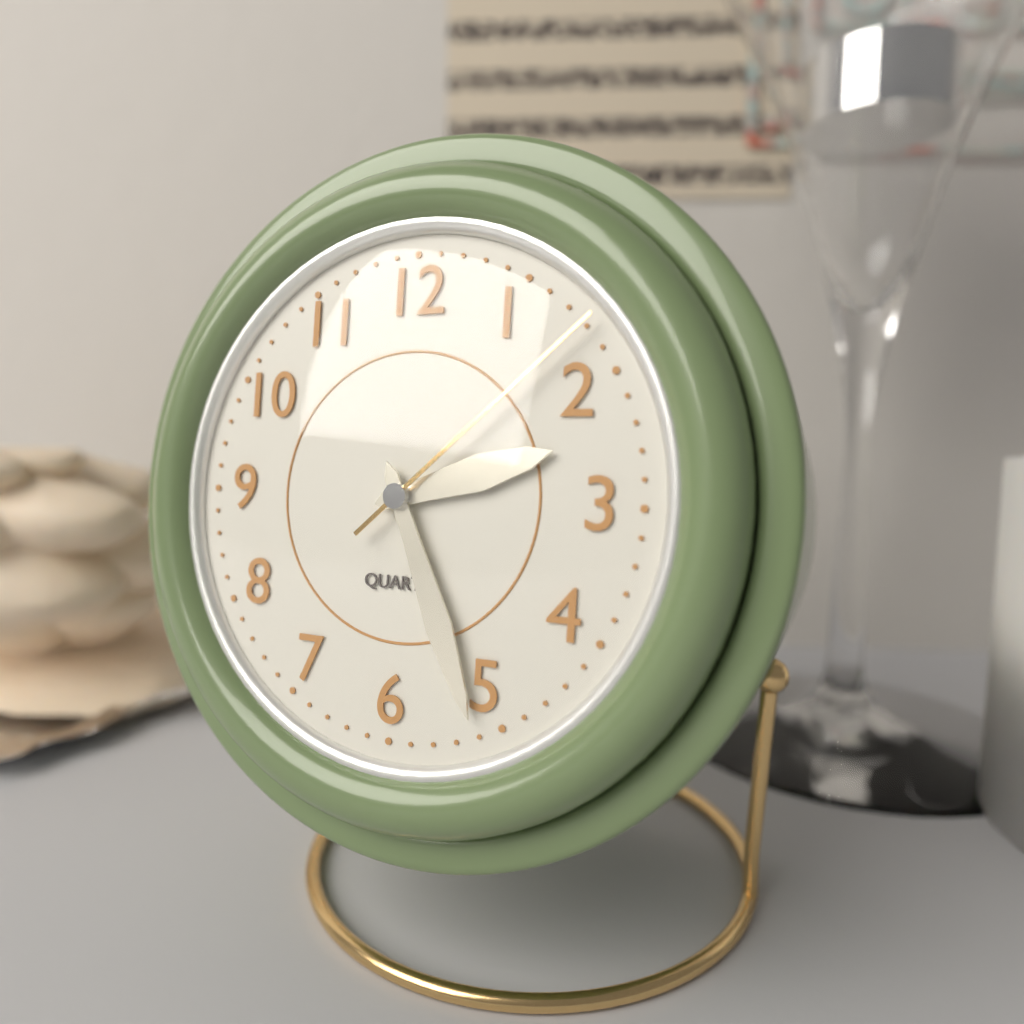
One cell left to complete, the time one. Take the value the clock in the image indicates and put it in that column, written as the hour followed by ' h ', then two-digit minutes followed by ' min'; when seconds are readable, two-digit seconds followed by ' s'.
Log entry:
2 h 26 min 08 s
